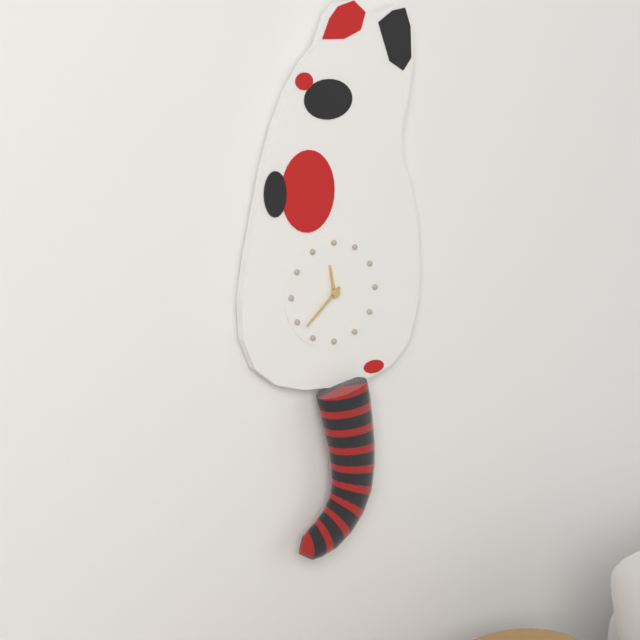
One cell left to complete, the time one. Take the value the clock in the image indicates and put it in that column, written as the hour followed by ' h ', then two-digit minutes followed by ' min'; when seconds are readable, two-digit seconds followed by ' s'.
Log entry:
11 h 38 min
